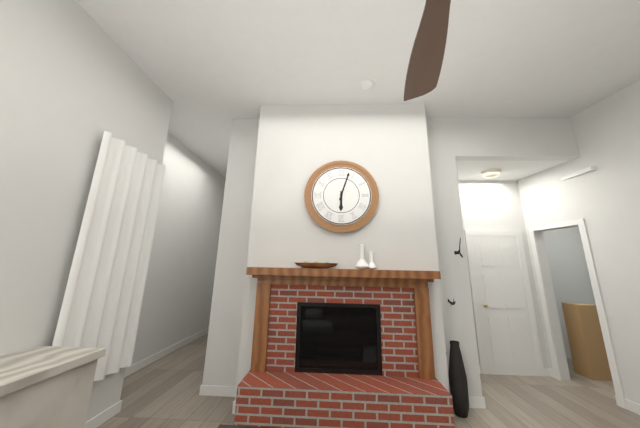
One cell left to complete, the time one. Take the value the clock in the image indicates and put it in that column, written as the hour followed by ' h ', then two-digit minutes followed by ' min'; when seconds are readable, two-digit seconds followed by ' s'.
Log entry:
6 h 03 min
